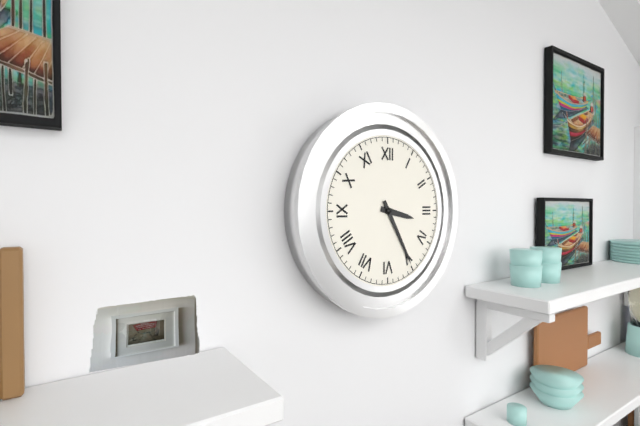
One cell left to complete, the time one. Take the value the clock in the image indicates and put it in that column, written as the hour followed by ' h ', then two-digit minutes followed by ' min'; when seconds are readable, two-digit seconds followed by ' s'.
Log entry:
3 h 25 min
